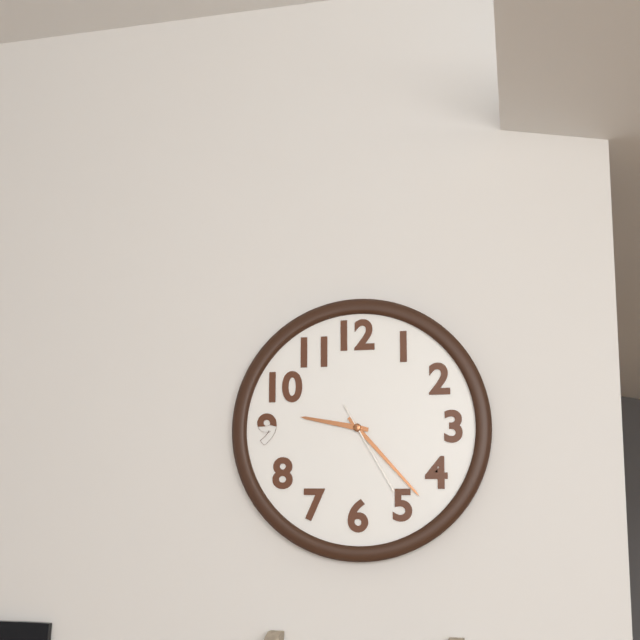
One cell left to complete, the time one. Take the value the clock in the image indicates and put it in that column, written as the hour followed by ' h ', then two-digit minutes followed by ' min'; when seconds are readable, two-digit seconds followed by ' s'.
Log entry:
9 h 23 min 25 s
